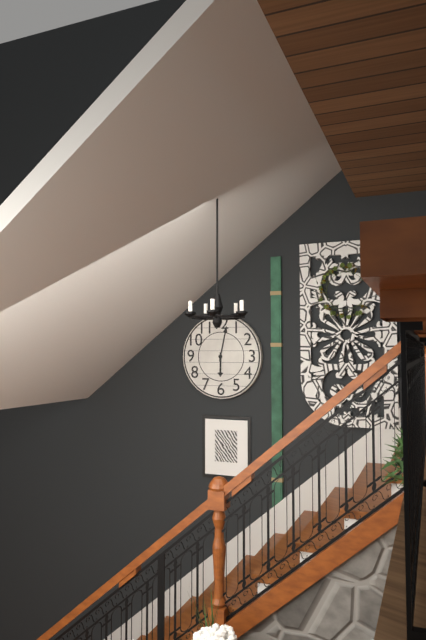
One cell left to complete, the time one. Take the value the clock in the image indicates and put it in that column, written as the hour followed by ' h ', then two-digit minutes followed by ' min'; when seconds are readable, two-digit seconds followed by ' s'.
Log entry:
6 h 02 min
